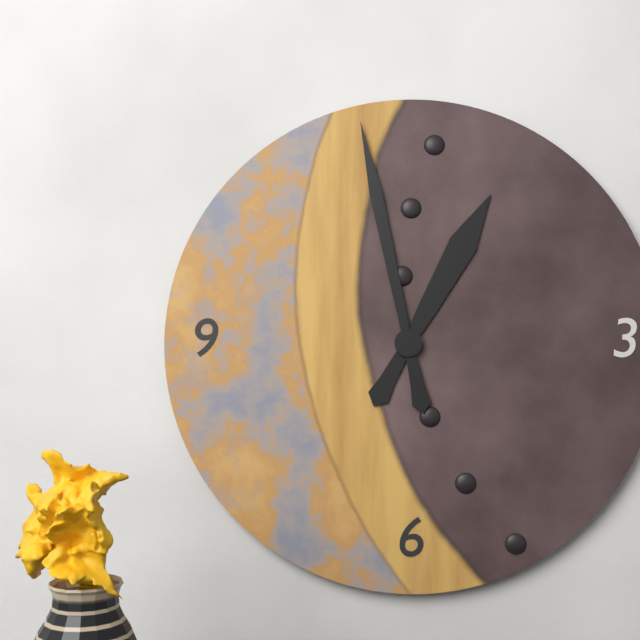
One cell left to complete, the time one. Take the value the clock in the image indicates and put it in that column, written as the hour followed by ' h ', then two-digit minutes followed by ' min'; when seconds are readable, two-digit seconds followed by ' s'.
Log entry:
12 h 58 min
